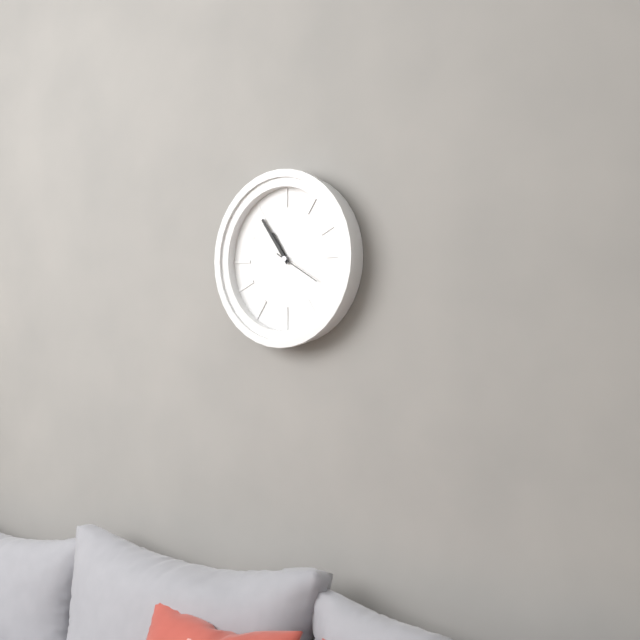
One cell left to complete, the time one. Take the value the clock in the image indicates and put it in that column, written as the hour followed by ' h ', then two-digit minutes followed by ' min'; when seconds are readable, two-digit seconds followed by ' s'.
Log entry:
10 h 54 min
